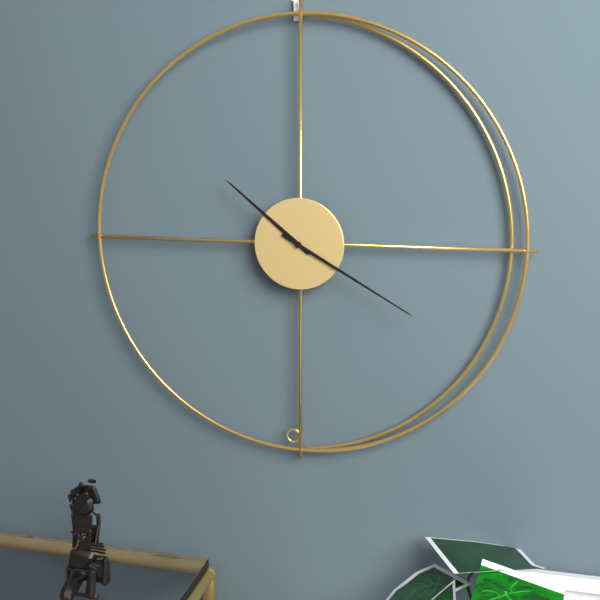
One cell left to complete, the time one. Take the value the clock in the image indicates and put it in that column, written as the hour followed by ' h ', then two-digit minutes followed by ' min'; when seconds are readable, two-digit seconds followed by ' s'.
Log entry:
10 h 20 min
